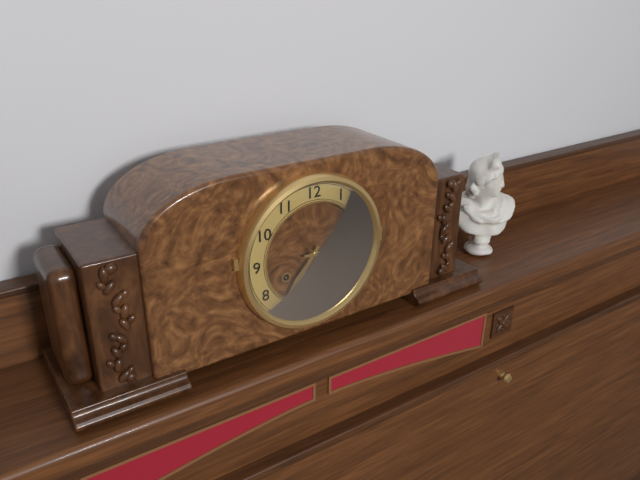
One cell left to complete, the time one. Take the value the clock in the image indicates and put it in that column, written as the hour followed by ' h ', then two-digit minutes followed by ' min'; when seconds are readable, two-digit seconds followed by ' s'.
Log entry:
7 h 15 min
